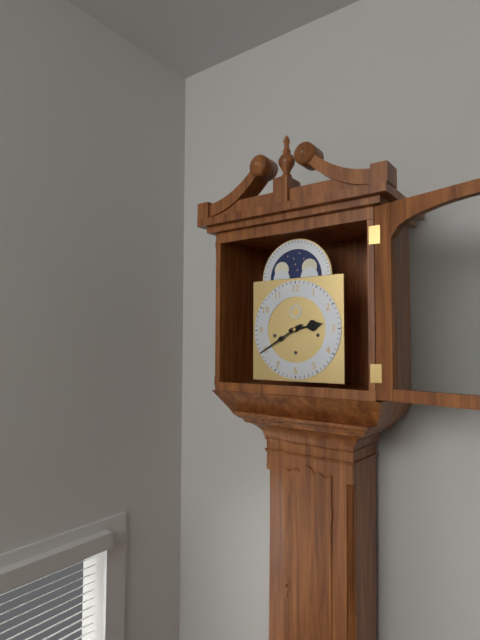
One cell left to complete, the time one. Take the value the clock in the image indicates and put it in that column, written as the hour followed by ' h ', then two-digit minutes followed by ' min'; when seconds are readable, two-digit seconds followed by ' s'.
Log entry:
2 h 40 min
